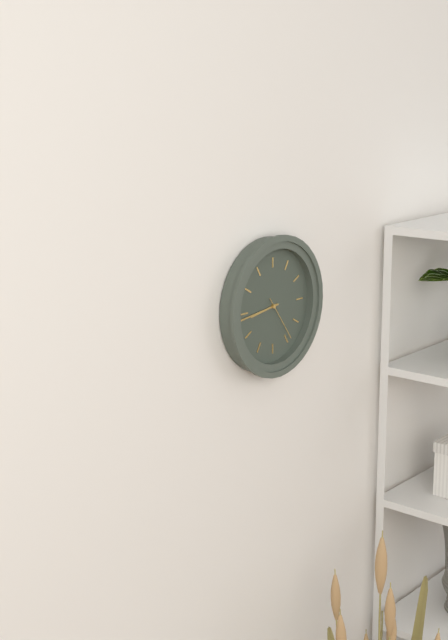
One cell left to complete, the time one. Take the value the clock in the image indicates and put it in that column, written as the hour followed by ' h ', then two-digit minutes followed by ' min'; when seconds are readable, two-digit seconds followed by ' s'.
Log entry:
8 h 44 min
